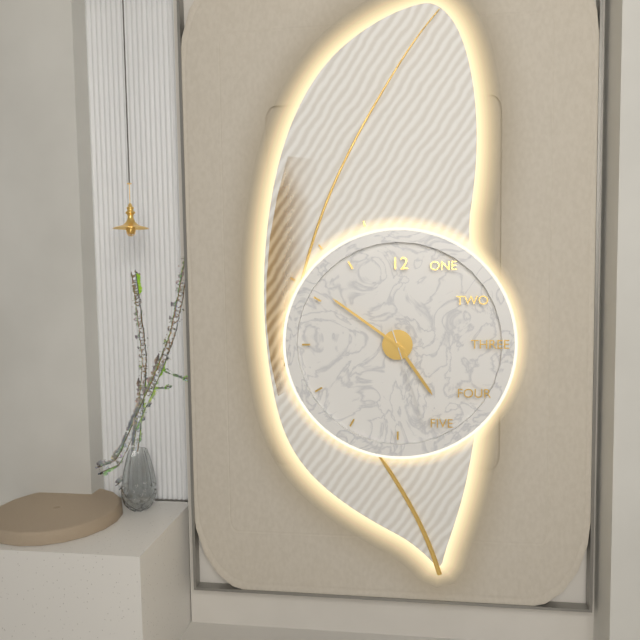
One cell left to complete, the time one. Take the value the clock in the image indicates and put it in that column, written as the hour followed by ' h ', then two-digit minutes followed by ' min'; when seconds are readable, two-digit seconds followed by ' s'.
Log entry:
4 h 51 min 27 s
